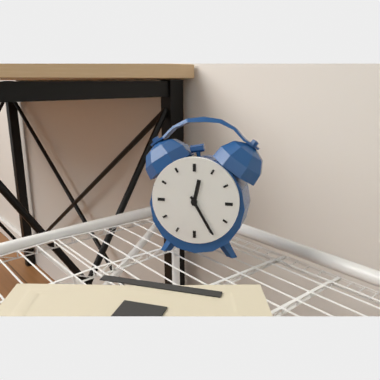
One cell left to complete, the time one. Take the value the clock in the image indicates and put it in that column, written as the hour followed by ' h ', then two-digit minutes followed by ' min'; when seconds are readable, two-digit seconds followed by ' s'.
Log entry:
12 h 25 min
